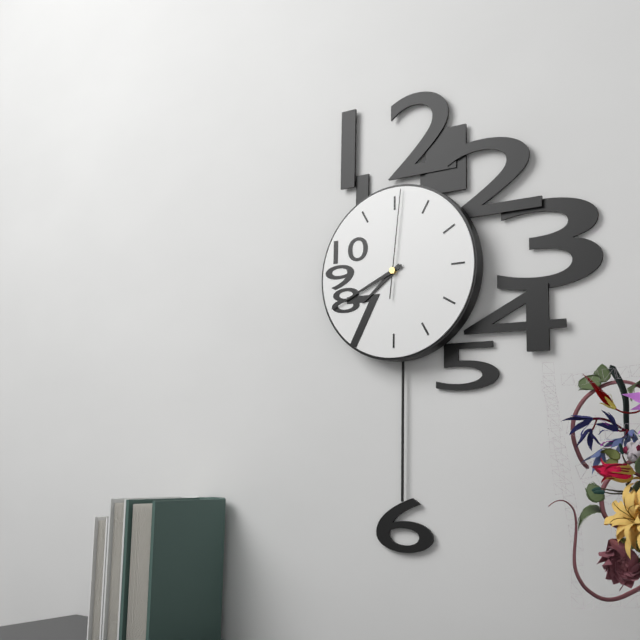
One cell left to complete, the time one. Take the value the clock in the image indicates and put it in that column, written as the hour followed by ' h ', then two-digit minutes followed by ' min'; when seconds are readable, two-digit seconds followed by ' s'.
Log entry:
7 h 41 min 01 s
